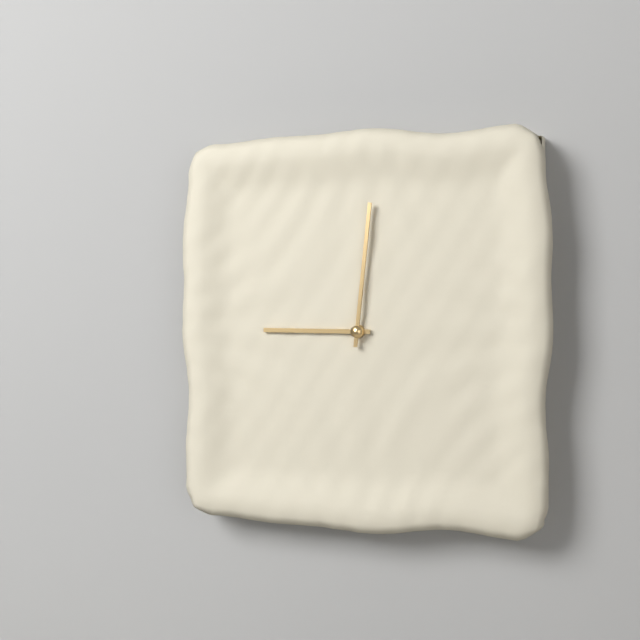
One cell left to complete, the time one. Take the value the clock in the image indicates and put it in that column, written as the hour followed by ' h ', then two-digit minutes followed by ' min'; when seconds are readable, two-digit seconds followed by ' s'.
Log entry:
9 h 01 min
